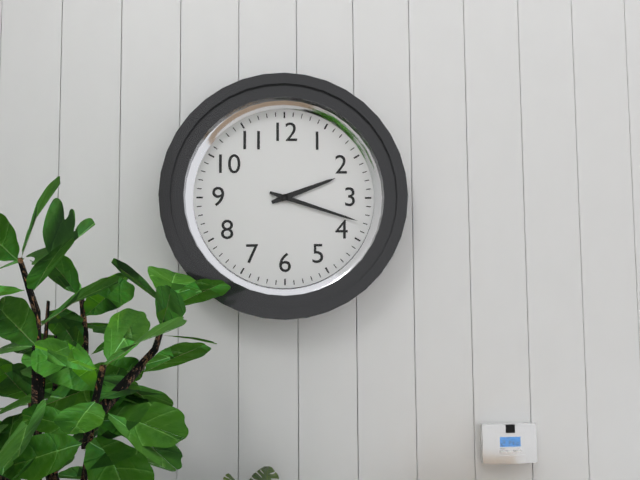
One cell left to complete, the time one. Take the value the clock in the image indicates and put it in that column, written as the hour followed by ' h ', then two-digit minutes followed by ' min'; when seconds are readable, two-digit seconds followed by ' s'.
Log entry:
2 h 18 min
